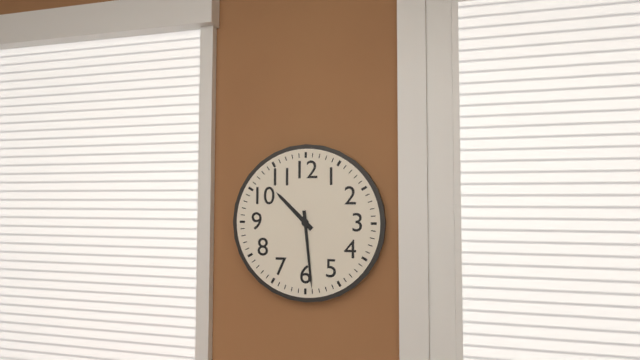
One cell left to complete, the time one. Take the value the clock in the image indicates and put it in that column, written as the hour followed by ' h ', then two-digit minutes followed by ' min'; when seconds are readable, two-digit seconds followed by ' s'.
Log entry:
10 h 29 min
